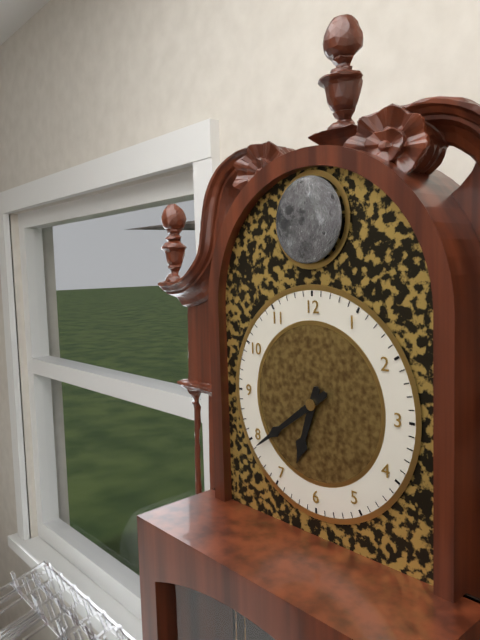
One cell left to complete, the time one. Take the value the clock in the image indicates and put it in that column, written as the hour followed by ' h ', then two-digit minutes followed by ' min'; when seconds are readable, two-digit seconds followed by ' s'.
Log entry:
6 h 39 min
